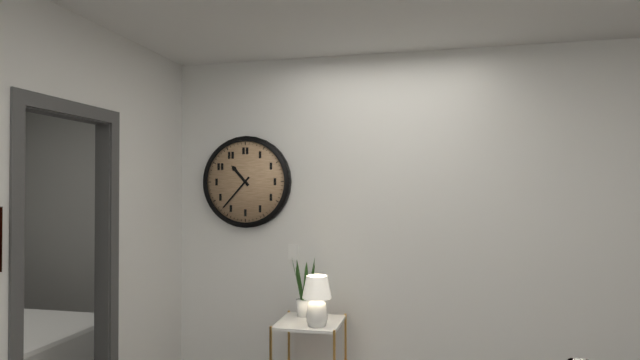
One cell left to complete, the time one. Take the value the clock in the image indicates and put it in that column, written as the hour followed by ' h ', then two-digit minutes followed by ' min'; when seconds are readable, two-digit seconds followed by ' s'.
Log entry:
10 h 37 min
